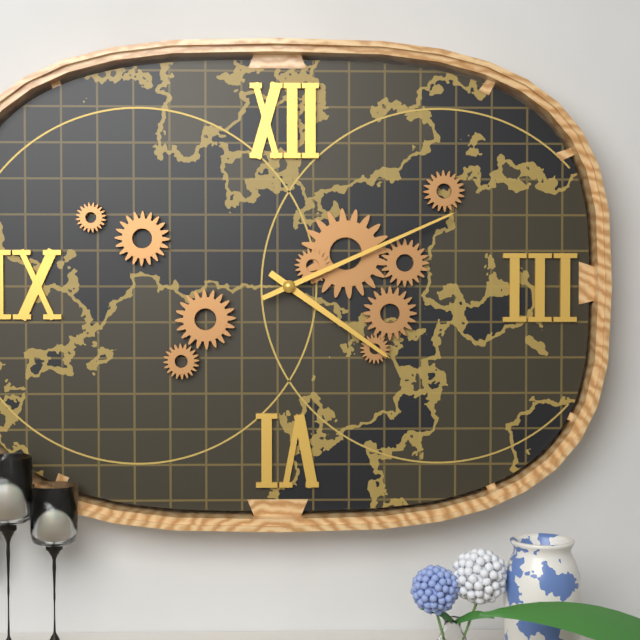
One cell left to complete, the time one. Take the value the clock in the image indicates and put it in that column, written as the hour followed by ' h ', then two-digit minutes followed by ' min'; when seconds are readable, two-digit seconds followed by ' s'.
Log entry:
4 h 11 min
